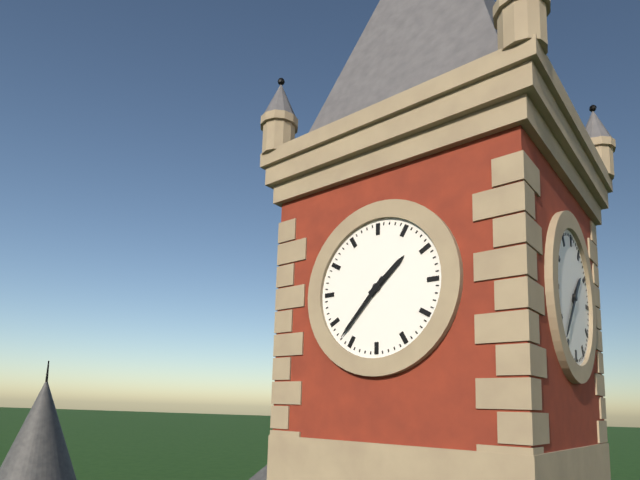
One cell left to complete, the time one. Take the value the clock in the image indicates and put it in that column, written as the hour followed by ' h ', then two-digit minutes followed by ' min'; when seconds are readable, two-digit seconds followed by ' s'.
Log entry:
1 h 37 min
